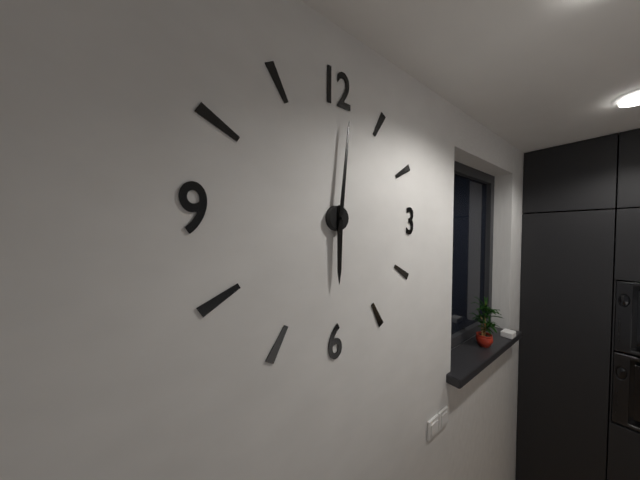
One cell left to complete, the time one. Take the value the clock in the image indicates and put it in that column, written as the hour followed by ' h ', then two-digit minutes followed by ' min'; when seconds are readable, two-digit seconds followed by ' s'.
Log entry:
6 h 01 min
